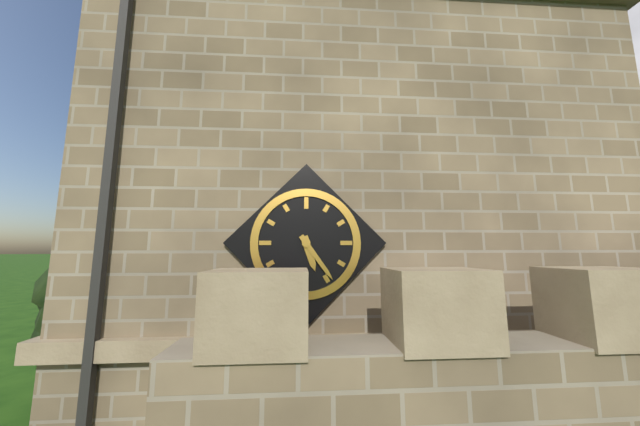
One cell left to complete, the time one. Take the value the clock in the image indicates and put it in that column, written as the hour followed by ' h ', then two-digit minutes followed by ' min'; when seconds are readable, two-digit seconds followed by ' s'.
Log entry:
5 h 24 min
